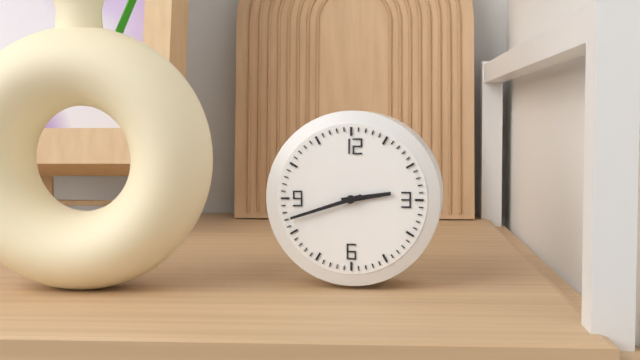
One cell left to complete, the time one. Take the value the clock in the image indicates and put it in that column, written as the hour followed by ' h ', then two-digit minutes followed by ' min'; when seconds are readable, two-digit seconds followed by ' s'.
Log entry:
2 h 42 min
